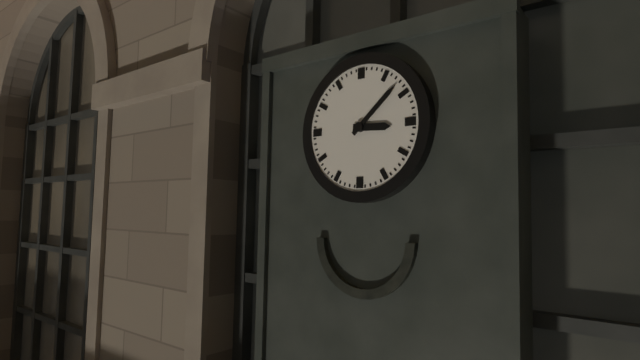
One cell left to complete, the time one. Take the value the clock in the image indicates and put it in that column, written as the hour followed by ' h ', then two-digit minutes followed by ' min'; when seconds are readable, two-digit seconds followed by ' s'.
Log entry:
3 h 08 min
